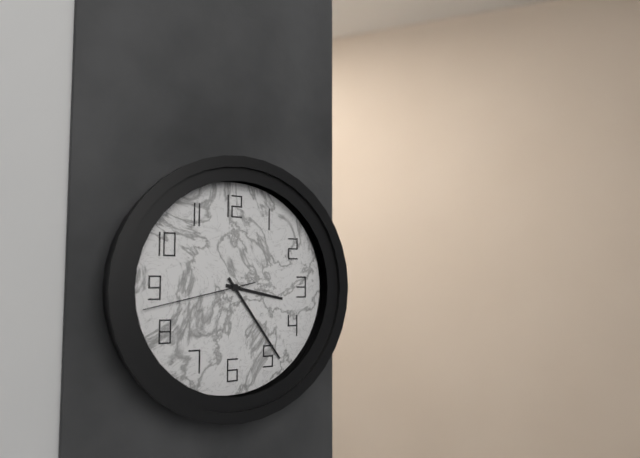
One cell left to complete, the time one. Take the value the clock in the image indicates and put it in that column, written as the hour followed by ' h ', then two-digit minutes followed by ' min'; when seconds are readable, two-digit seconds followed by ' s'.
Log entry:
3 h 24 min 43 s
